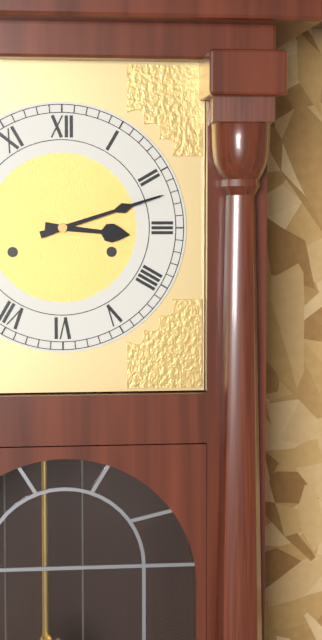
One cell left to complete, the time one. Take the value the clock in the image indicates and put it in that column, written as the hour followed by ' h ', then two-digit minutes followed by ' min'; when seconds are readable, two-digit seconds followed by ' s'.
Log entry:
3 h 12 min
